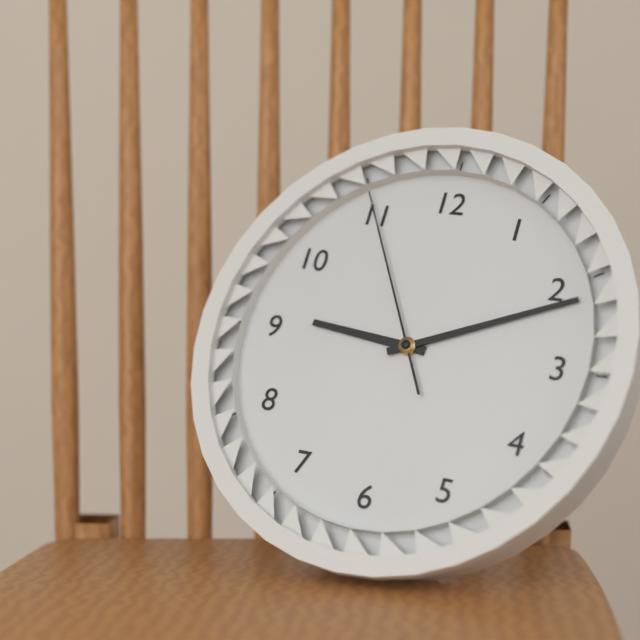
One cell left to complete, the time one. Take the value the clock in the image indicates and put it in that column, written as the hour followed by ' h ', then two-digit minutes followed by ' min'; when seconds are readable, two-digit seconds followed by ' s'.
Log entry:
9 h 11 min 55 s
